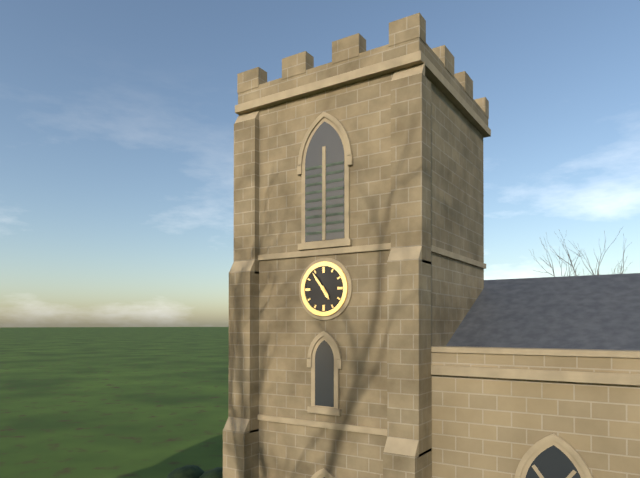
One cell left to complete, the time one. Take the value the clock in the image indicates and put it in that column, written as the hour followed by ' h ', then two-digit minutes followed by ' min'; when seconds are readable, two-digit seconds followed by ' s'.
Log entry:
4 h 54 min
